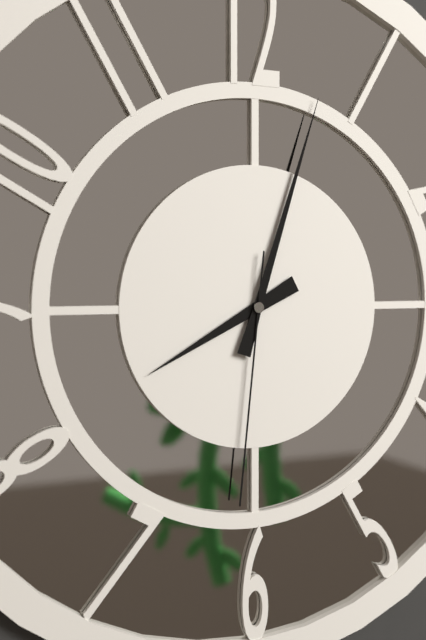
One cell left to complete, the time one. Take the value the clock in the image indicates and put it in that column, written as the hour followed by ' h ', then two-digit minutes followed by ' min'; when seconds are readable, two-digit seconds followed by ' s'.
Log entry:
8 h 03 min 31 s
